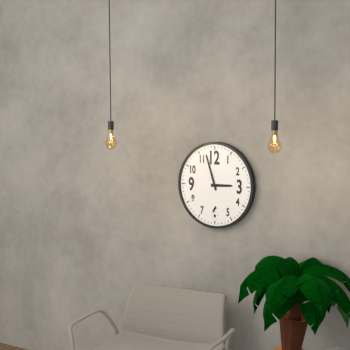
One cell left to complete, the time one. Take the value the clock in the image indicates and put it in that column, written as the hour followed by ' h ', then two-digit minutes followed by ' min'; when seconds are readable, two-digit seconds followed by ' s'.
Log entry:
2 h 57 min
